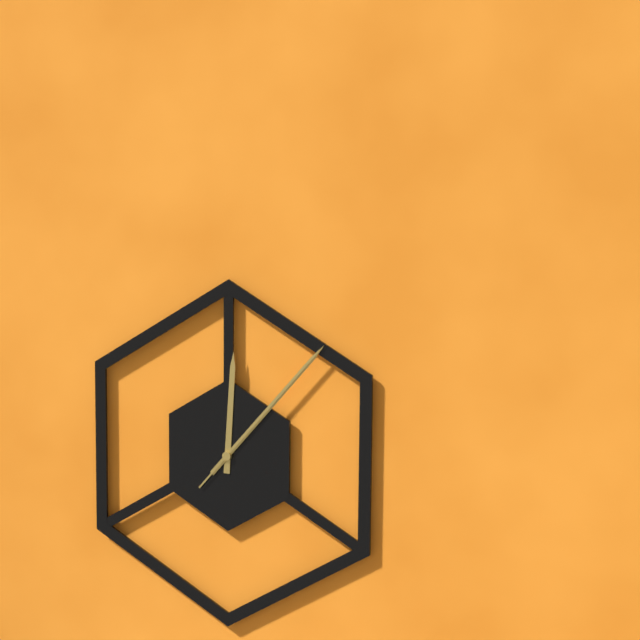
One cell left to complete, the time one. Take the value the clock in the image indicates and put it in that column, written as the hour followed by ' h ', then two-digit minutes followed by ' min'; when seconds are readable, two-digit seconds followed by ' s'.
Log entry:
12 h 07 min 07 s
